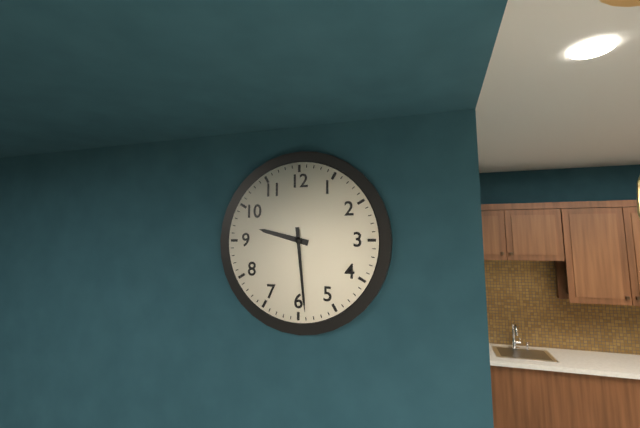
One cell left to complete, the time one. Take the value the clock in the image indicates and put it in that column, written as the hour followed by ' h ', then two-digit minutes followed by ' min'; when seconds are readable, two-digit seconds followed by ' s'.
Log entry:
9 h 29 min
